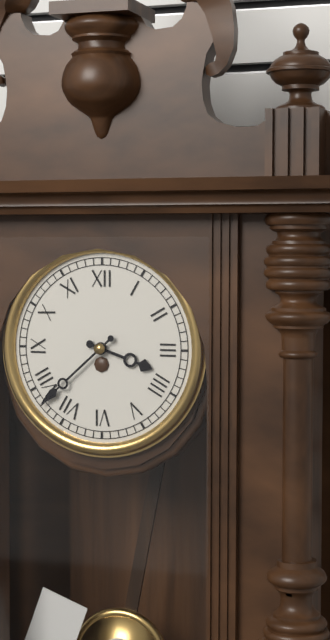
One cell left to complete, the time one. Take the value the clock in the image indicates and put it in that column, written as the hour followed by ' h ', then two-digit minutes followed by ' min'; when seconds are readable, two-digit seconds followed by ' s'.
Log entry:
3 h 38 min
